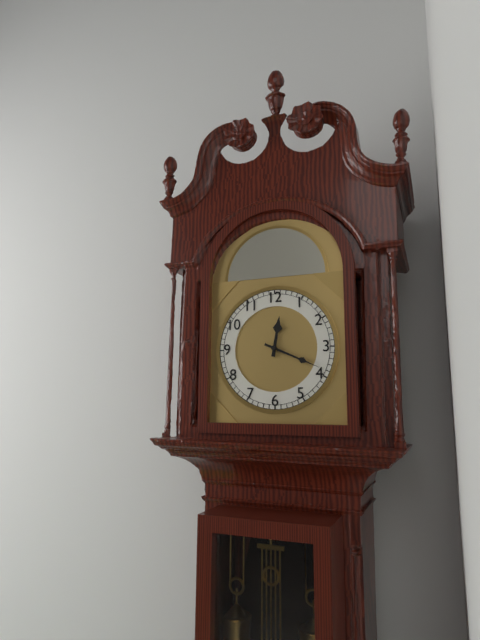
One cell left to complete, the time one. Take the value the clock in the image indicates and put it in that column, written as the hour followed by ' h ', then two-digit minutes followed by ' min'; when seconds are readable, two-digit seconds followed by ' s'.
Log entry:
12 h 19 min
